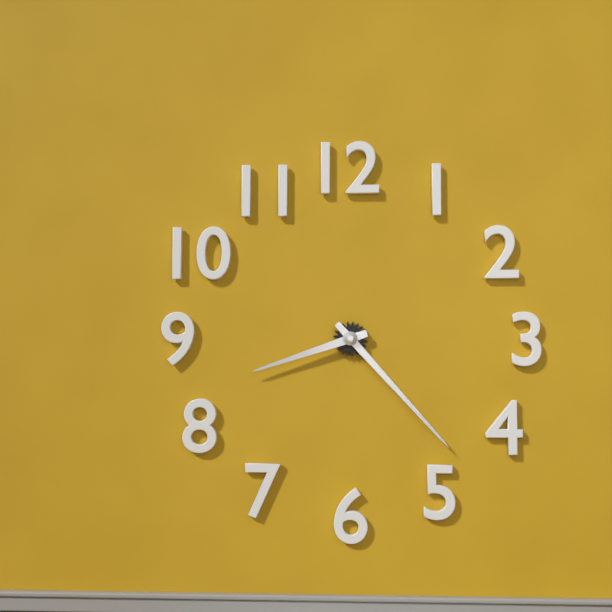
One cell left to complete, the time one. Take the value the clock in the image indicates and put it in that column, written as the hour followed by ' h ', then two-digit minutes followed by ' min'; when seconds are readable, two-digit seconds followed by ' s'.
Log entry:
8 h 23 min
